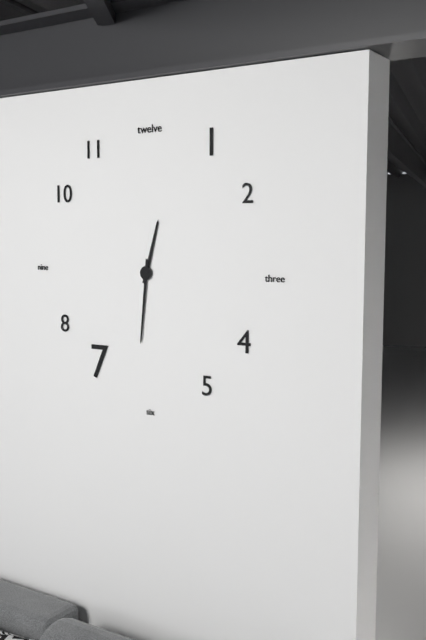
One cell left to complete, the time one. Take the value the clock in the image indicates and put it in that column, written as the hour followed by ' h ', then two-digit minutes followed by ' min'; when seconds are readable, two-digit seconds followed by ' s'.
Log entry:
12 h 31 min
